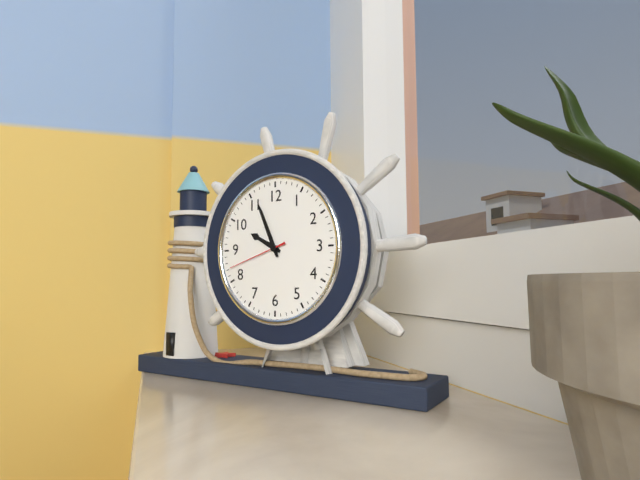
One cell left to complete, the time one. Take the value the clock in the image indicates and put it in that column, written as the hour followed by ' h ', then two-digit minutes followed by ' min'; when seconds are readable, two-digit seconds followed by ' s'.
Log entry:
9 h 56 min 42 s
